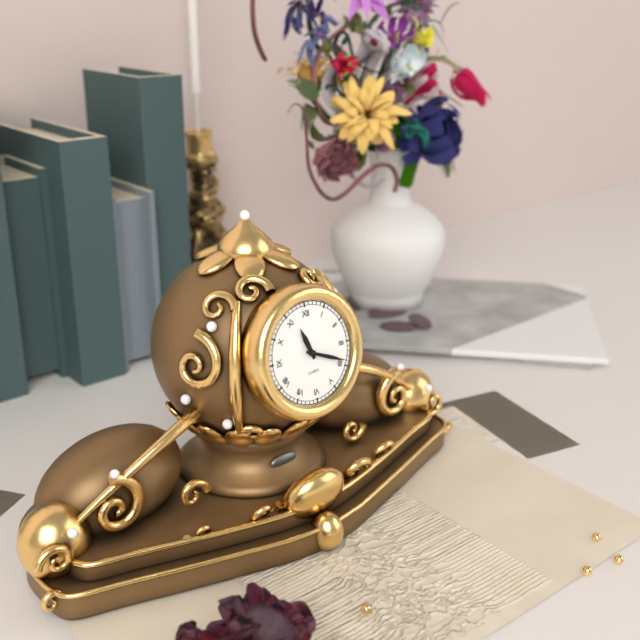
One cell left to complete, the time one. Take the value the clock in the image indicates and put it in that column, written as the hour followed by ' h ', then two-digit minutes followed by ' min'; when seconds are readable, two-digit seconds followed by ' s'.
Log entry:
11 h 19 min
